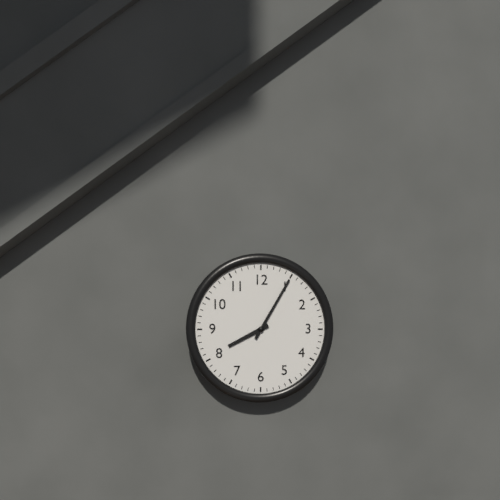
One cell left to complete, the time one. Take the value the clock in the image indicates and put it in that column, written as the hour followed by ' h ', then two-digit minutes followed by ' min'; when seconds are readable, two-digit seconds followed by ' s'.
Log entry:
8 h 05 min
